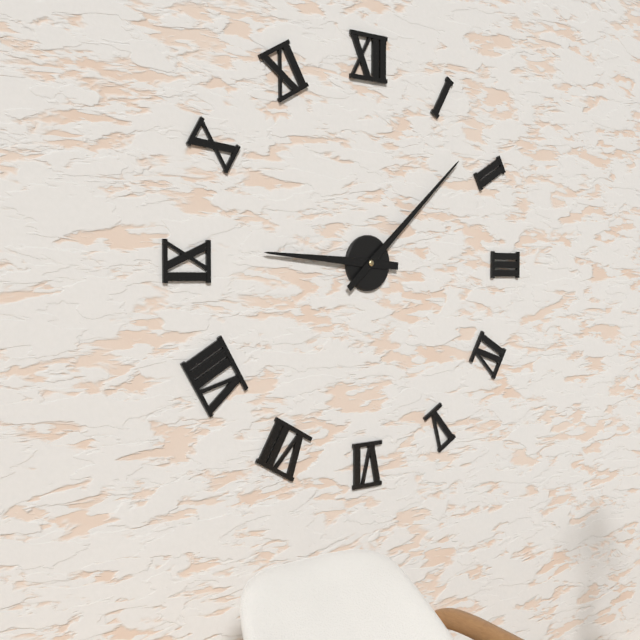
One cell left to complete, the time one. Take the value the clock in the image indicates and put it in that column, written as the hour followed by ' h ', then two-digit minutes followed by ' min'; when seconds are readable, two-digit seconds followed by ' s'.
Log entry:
9 h 08 min
